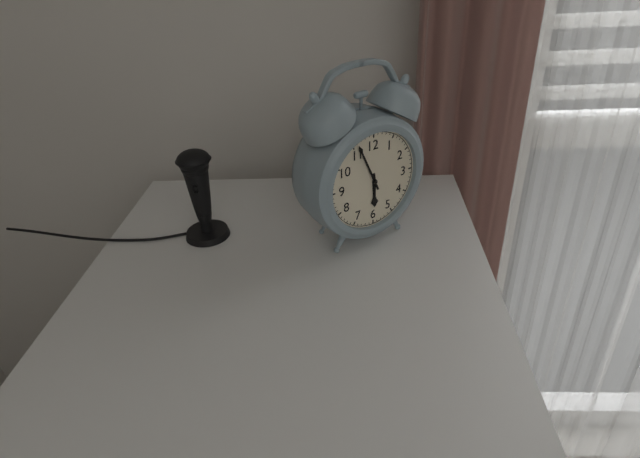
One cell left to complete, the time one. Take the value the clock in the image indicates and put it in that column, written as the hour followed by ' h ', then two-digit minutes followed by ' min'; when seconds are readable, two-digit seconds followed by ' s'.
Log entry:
5 h 56 min
